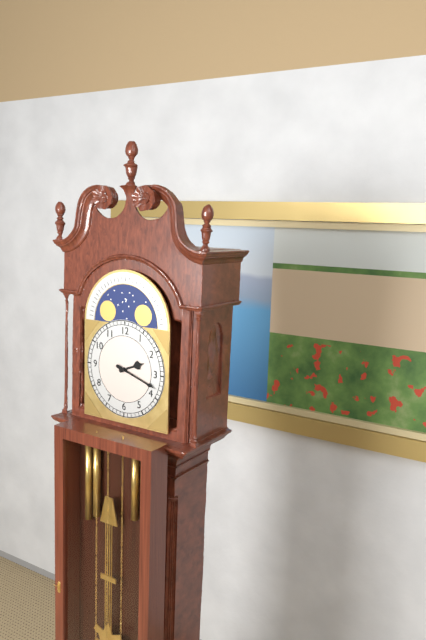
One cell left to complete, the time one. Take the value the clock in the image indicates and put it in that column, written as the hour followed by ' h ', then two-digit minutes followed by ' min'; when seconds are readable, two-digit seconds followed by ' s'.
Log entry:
2 h 18 min
